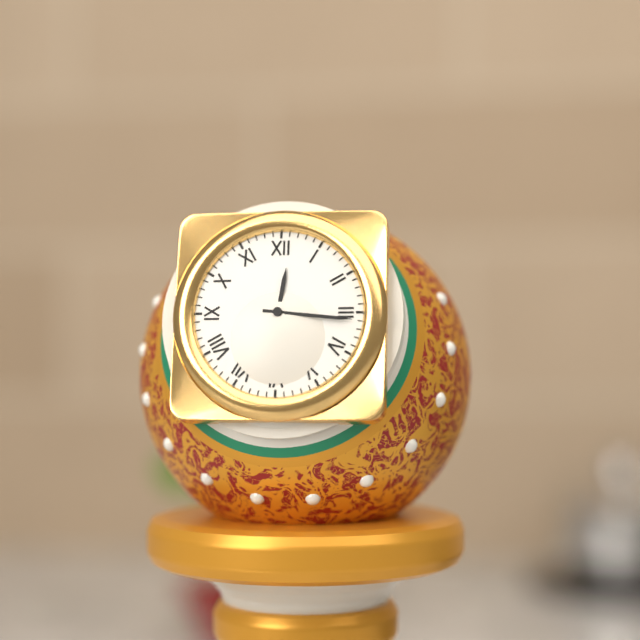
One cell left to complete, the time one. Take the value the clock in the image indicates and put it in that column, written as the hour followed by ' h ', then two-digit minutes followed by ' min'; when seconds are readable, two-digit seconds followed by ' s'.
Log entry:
12 h 16 min
